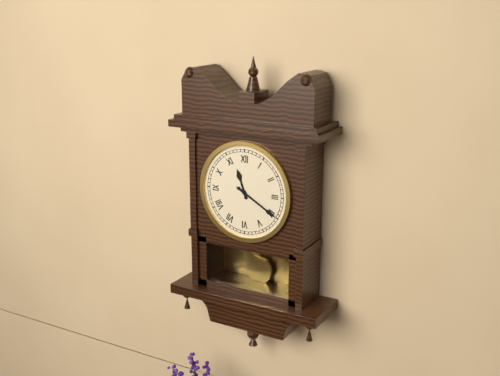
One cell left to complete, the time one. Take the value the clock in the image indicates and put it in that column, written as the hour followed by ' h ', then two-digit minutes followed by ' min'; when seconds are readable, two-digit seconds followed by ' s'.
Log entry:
11 h 20 min
